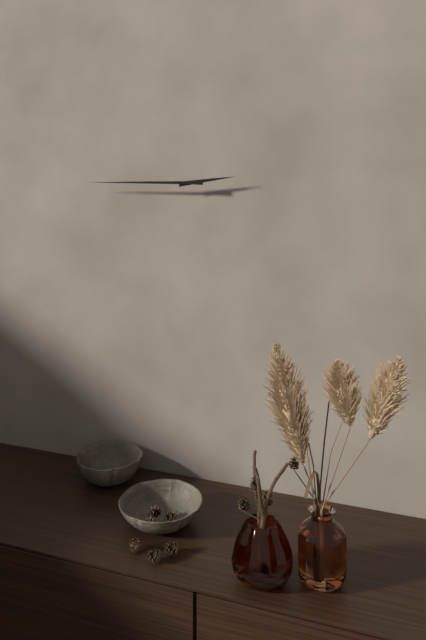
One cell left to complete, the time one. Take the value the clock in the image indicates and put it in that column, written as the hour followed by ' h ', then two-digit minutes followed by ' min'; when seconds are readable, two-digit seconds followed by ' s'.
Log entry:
2 h 45 min
